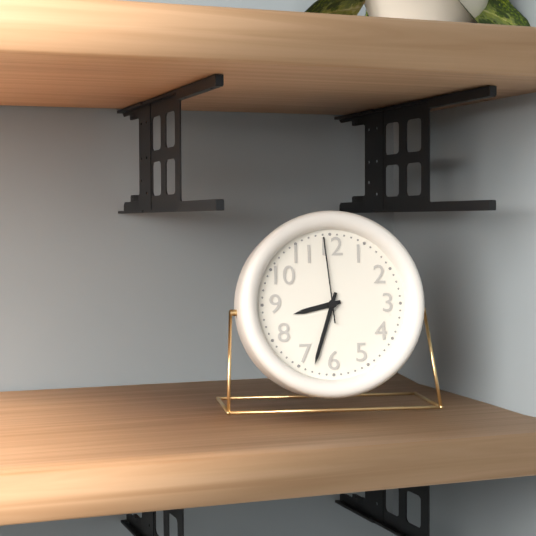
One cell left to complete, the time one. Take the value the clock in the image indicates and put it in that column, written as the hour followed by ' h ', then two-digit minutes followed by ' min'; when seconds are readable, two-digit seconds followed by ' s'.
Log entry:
8 h 33 min 59 s
